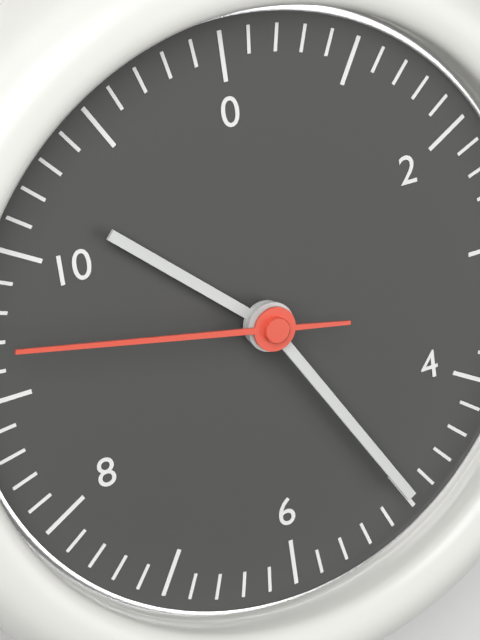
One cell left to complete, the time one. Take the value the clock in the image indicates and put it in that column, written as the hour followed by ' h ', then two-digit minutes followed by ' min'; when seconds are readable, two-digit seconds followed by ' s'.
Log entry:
10 h 25 min 47 s
